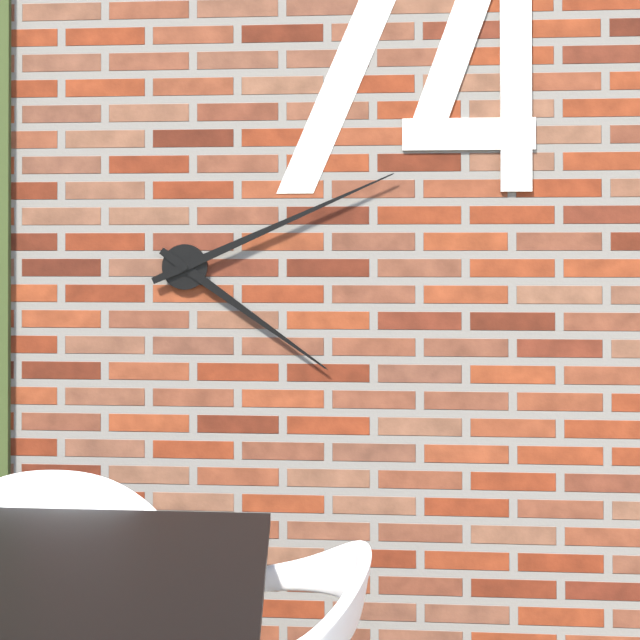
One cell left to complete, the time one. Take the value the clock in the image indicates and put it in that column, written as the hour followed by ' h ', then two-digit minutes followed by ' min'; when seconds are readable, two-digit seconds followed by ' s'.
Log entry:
4 h 11 min
